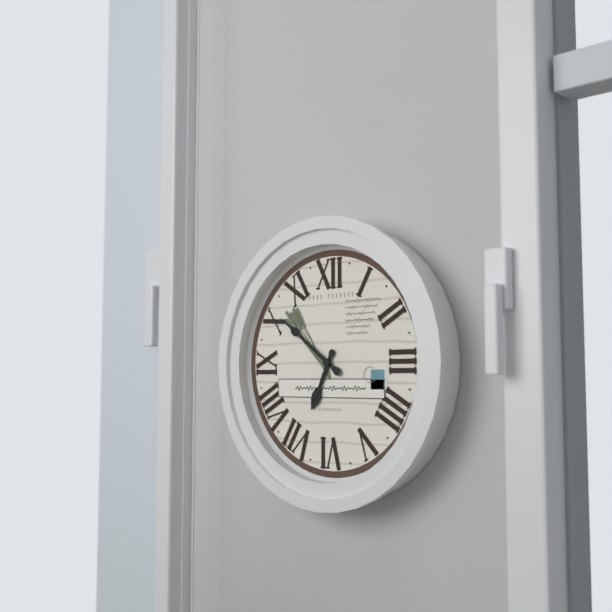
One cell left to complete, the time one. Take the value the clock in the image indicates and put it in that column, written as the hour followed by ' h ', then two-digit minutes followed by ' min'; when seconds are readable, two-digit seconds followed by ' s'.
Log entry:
6 h 51 min
